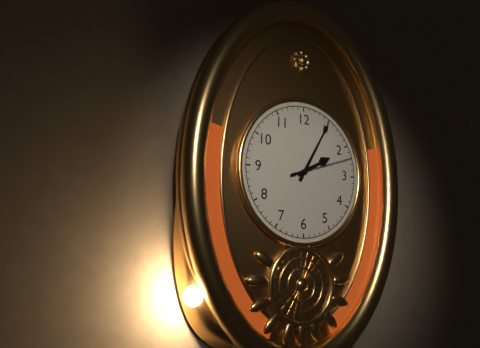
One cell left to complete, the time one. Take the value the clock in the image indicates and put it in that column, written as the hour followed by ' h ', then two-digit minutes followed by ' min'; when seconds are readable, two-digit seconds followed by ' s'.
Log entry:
2 h 05 min 12 s
